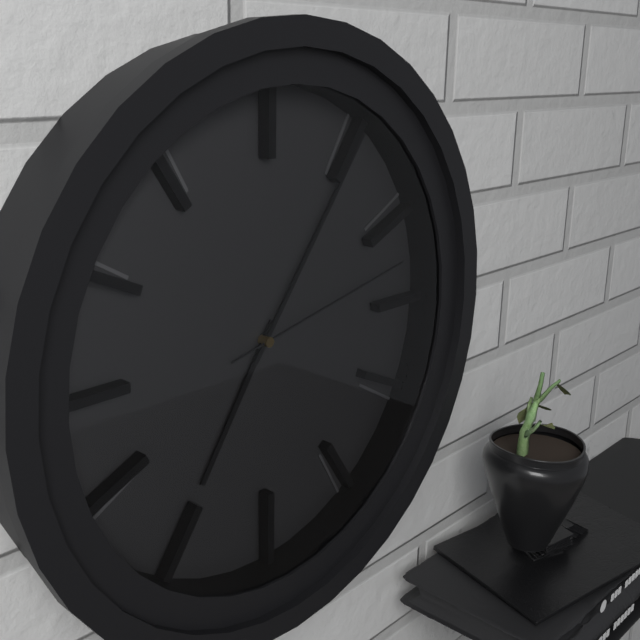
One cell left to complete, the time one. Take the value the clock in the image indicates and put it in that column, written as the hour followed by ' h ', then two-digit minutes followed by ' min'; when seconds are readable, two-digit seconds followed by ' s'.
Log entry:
7 h 06 min 13 s
